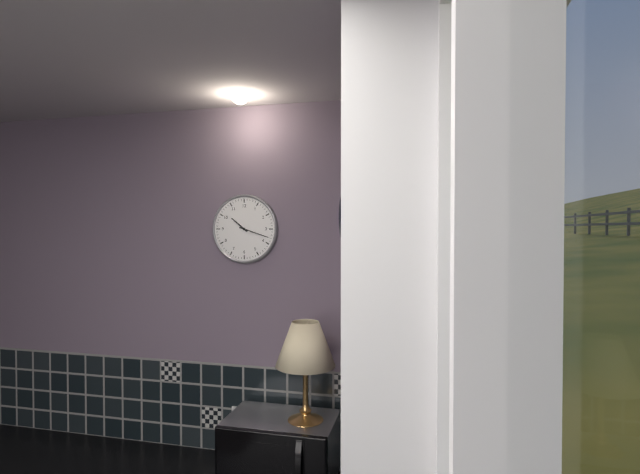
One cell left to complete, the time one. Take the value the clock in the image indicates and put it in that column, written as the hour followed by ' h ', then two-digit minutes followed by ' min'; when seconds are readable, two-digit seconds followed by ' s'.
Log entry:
10 h 18 min
